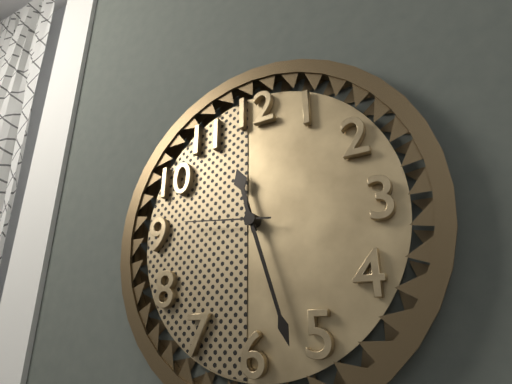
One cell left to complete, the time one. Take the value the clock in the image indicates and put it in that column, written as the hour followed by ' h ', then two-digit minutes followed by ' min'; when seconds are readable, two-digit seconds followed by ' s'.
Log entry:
11 h 27 min 46 s
